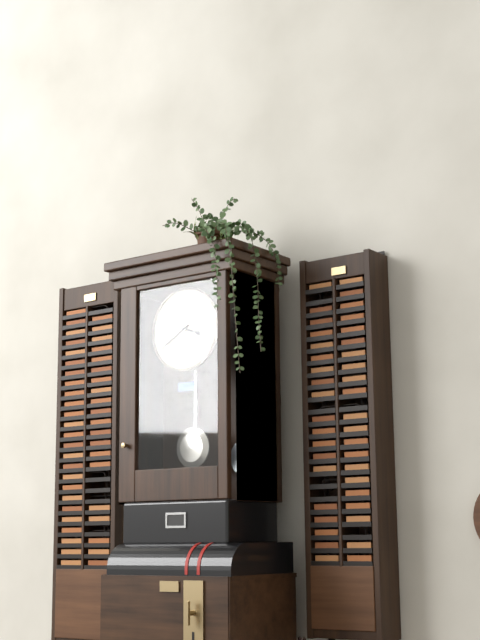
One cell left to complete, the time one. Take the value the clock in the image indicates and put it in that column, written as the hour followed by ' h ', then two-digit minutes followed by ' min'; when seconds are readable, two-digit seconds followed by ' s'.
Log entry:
3 h 40 min
